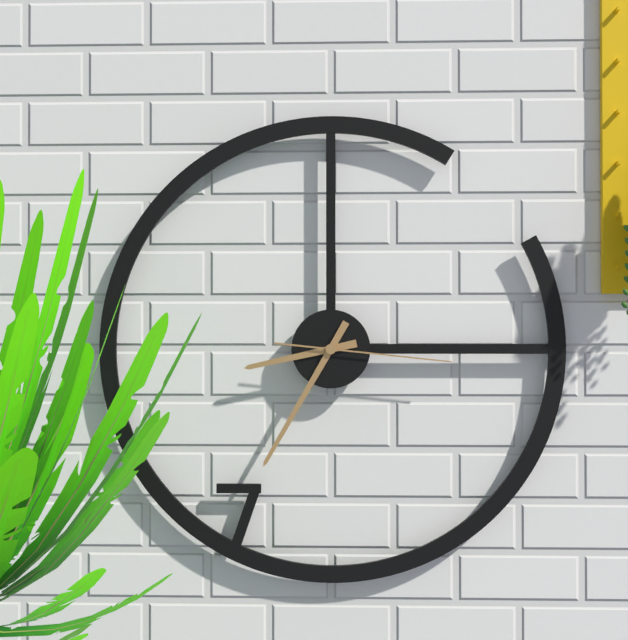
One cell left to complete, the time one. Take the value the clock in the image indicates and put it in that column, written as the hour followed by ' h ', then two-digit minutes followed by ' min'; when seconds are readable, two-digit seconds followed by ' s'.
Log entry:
8 h 35 min 16 s
